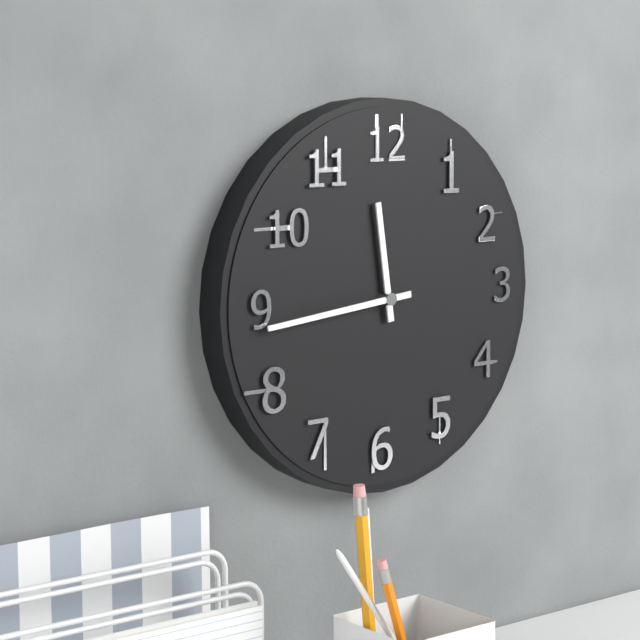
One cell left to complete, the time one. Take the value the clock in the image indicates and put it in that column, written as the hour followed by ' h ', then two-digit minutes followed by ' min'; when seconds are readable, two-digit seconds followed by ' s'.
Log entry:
11 h 44 min
